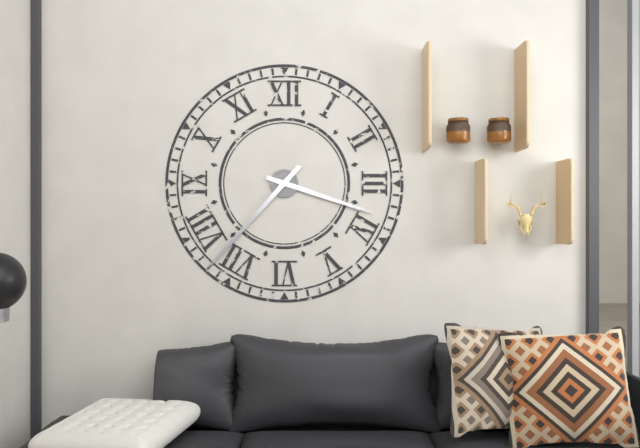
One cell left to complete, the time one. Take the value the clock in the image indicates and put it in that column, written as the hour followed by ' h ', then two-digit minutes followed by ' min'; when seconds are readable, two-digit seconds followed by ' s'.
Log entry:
3 h 37 min
